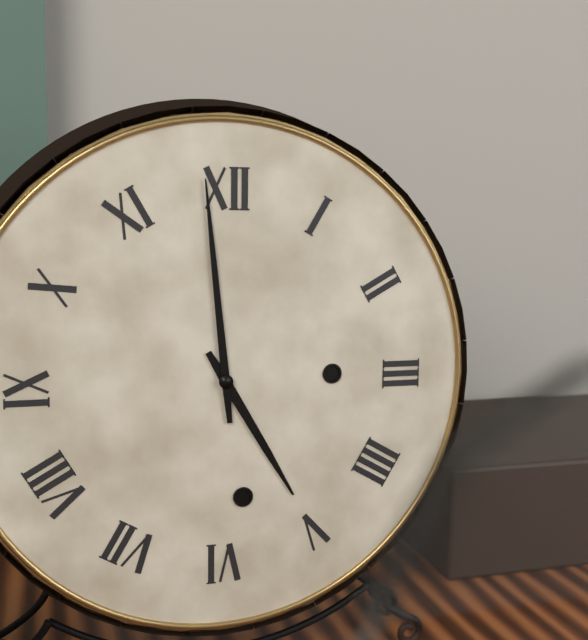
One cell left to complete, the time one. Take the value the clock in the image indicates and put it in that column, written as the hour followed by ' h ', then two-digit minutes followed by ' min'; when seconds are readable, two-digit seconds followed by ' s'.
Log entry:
4 h 59 min
